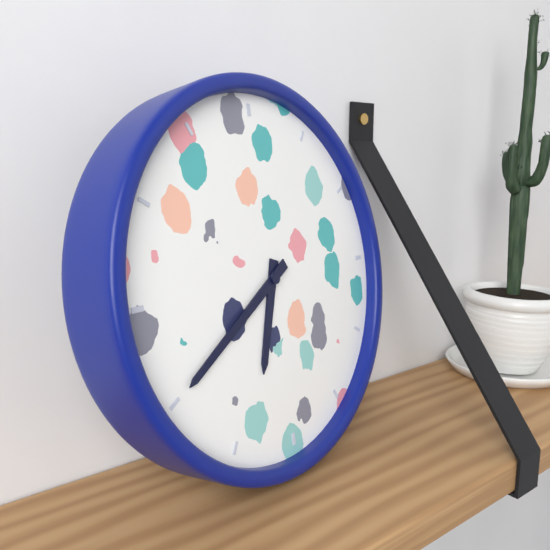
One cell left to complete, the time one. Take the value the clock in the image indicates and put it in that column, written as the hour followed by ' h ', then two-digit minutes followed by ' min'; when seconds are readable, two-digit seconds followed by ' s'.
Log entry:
6 h 40 min
